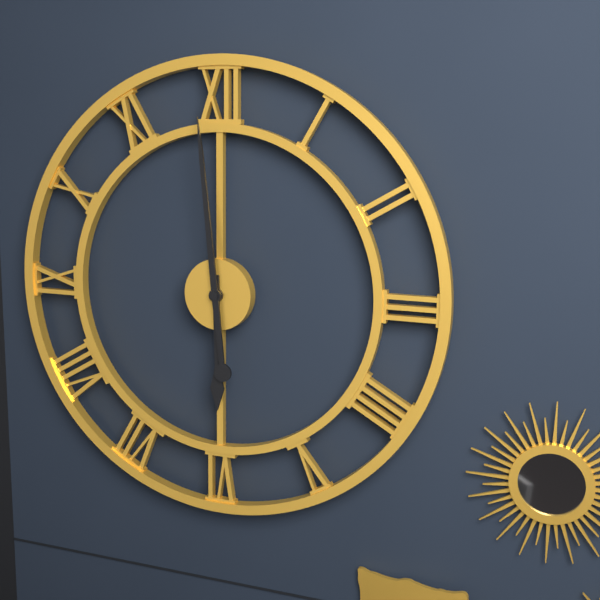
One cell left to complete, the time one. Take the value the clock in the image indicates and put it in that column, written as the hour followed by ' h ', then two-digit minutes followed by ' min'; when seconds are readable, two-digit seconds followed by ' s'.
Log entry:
5 h 59 min
